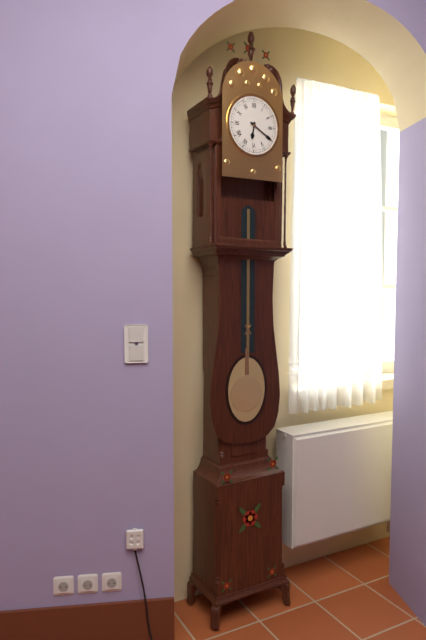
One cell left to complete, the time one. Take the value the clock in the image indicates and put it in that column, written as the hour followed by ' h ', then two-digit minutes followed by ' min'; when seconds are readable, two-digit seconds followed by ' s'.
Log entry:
6 h 20 min
